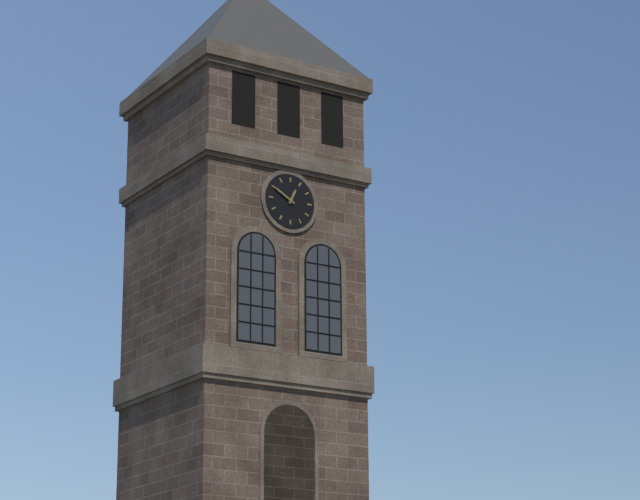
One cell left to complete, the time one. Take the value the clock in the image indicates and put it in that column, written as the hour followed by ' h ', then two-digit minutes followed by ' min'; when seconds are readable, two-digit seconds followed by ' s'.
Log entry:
12 h 50 min
